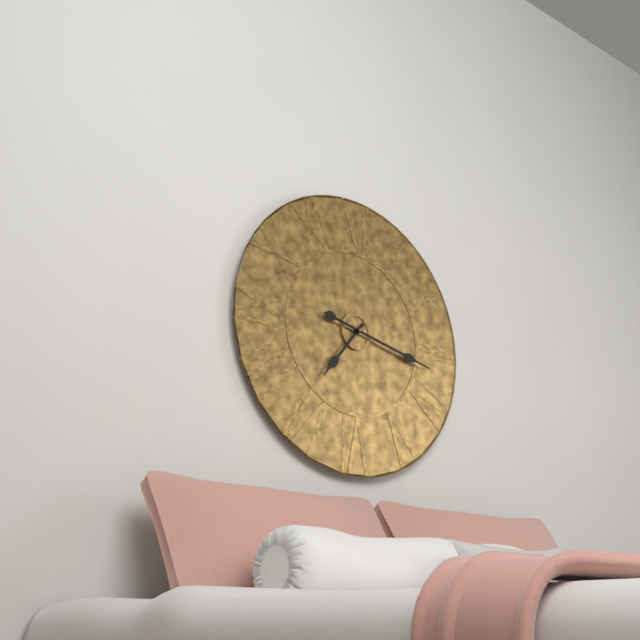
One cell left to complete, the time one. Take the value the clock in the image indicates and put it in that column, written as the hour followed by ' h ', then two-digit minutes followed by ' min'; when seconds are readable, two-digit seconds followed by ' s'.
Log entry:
7 h 17 min
